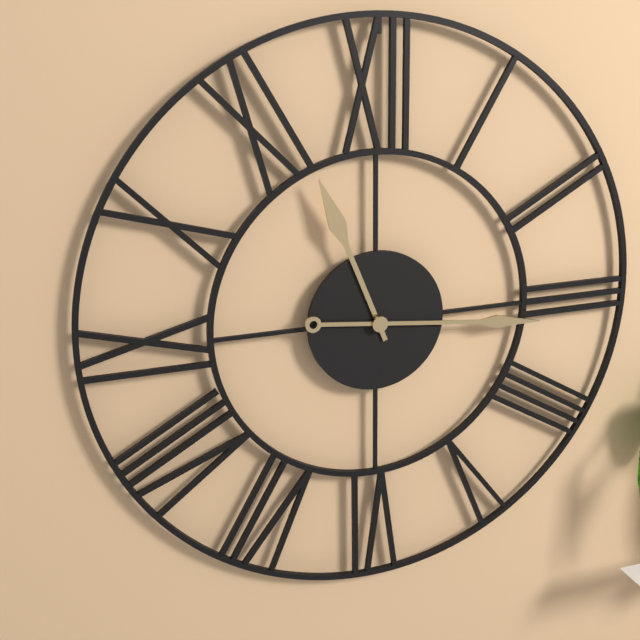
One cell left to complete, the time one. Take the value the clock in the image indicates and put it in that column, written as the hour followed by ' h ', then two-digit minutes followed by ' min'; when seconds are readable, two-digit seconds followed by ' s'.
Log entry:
11 h 16 min
